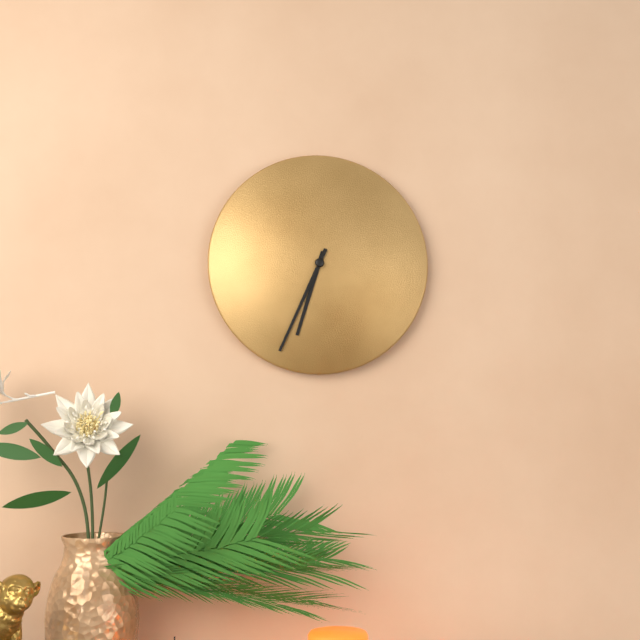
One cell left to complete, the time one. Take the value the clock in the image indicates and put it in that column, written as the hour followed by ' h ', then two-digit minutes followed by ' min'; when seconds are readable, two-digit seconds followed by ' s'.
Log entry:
6 h 34 min
